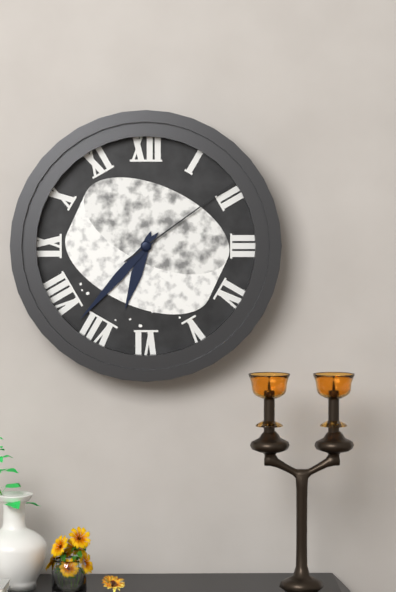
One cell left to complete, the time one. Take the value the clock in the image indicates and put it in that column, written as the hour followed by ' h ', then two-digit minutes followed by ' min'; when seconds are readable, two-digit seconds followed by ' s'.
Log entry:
6 h 37 min 09 s
